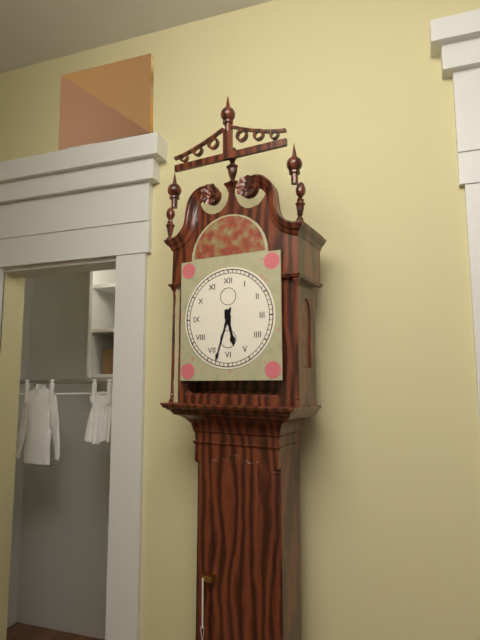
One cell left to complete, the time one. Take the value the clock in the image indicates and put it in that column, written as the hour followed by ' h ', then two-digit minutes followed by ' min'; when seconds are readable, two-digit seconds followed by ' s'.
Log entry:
5 h 33 min
